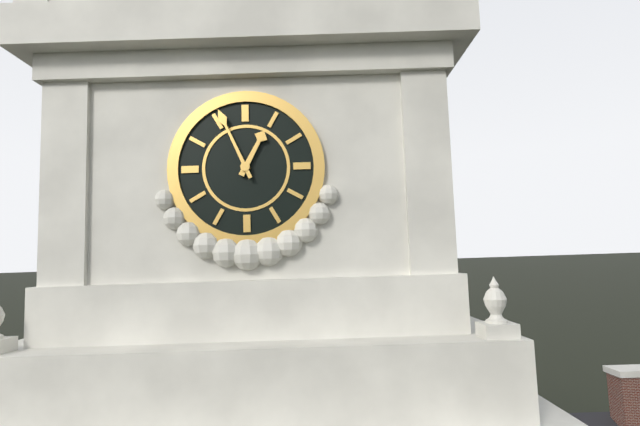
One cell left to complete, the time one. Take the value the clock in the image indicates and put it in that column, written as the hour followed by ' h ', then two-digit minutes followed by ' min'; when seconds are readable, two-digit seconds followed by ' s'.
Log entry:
12 h 56 min
